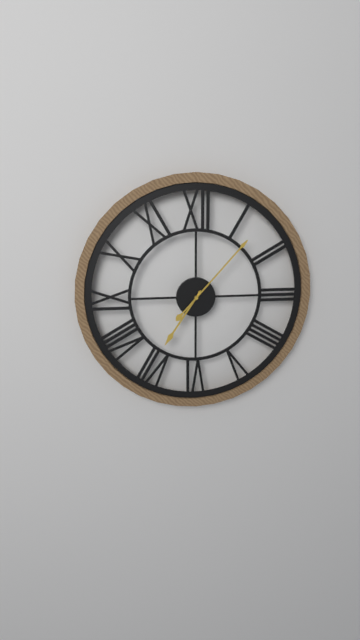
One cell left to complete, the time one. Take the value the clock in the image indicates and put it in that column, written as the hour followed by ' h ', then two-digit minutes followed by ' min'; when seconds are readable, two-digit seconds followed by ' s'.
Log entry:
7 h 07 min
